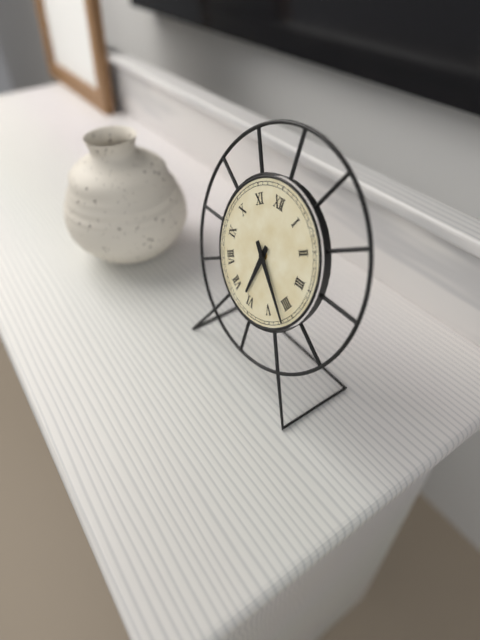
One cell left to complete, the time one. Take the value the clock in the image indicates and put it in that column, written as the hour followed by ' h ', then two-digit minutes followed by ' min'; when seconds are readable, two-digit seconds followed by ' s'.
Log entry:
6 h 22 min
